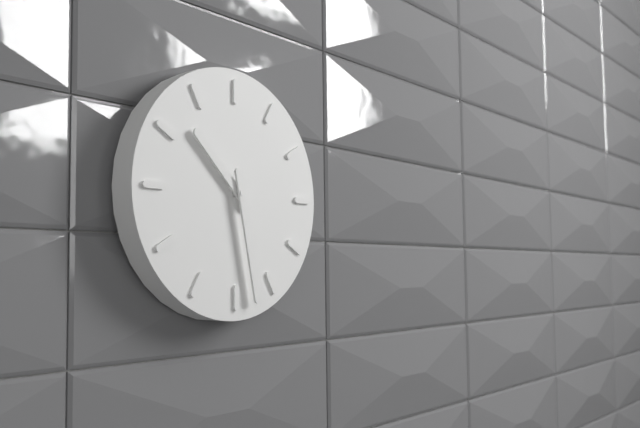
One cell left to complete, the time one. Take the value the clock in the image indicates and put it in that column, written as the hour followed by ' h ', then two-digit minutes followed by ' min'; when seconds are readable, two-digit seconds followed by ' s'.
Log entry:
10 h 28 min
